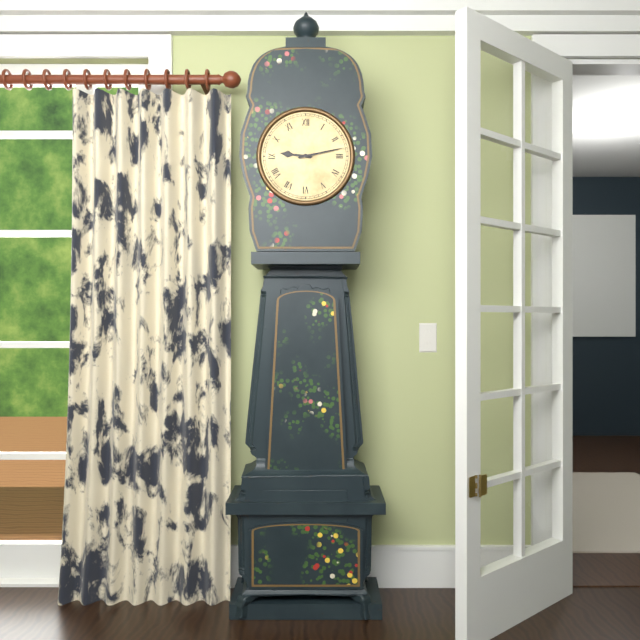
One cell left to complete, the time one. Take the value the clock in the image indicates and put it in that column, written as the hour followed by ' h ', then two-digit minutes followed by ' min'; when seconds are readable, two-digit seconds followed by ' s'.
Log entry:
9 h 13 min
